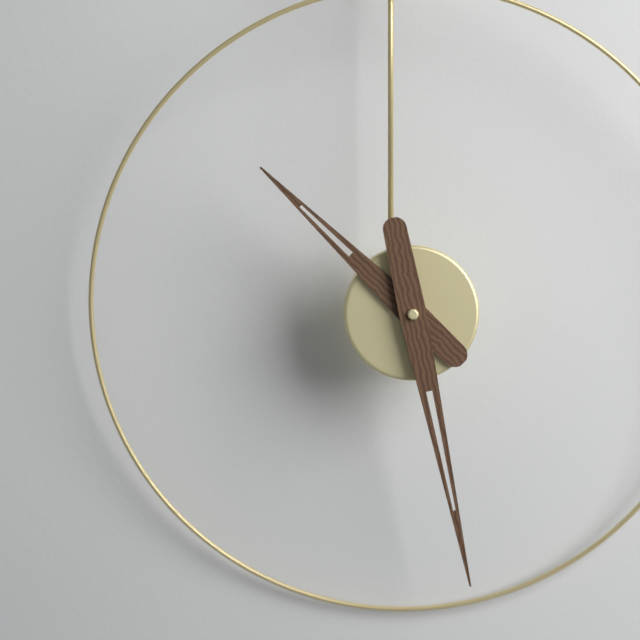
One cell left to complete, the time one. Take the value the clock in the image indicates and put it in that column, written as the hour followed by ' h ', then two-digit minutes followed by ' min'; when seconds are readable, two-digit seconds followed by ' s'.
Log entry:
10 h 28 min
